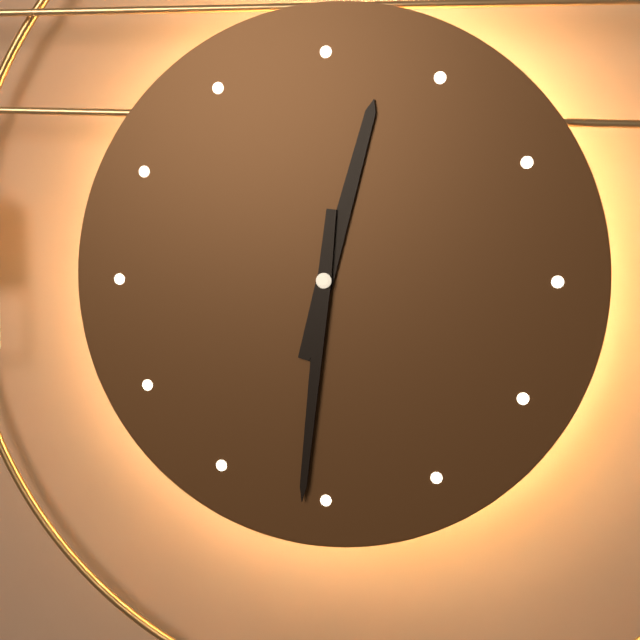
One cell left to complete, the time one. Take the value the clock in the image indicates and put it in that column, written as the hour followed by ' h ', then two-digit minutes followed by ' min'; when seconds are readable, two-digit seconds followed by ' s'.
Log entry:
12 h 31 min
